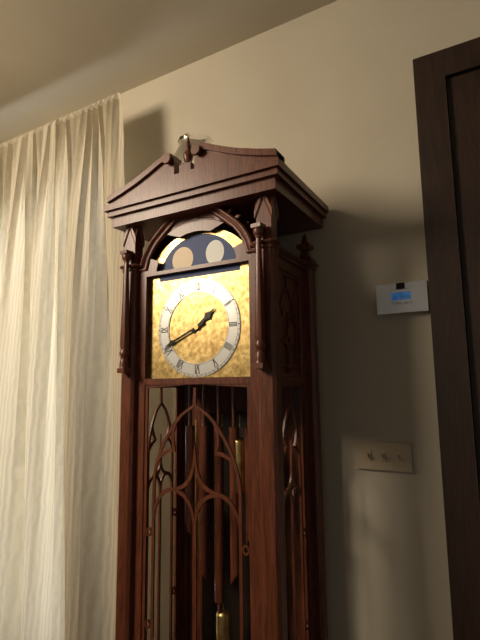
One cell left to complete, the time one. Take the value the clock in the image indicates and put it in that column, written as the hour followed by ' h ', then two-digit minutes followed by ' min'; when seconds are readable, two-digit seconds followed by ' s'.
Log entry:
1 h 41 min
